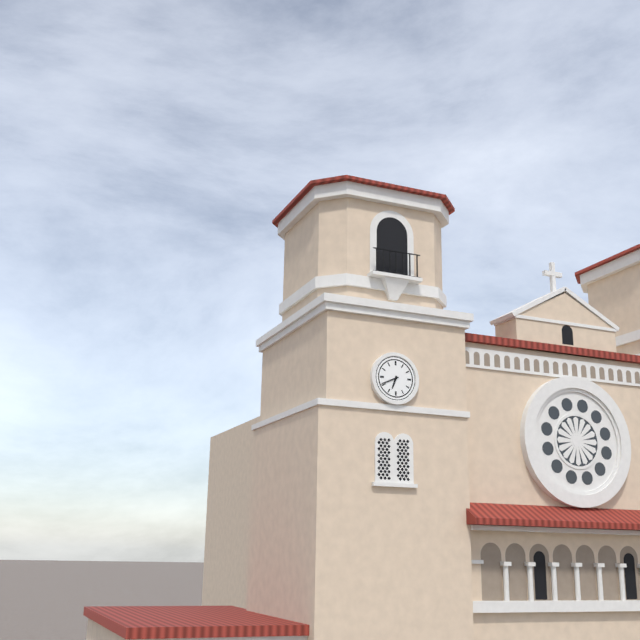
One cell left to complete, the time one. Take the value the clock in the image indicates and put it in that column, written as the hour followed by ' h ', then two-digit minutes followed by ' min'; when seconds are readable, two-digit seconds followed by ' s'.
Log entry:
6 h 41 min
